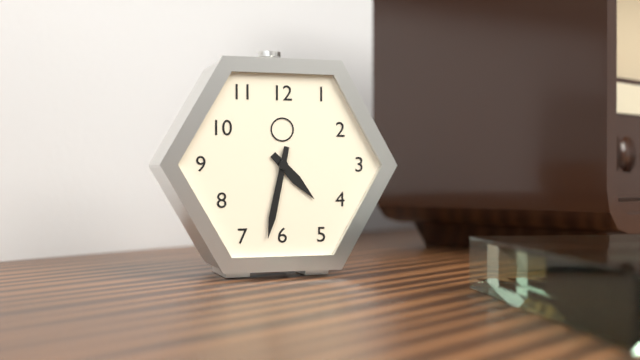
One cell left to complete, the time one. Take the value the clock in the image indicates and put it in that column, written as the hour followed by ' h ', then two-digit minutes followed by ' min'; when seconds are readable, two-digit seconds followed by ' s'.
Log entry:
4 h 32 min
